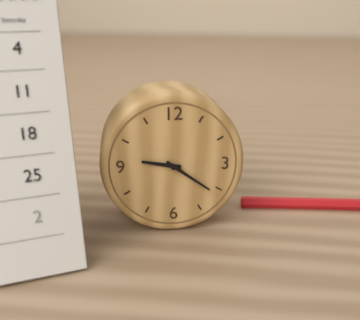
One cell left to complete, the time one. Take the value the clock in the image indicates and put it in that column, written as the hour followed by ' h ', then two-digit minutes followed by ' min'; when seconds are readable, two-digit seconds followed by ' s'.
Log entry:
9 h 21 min
